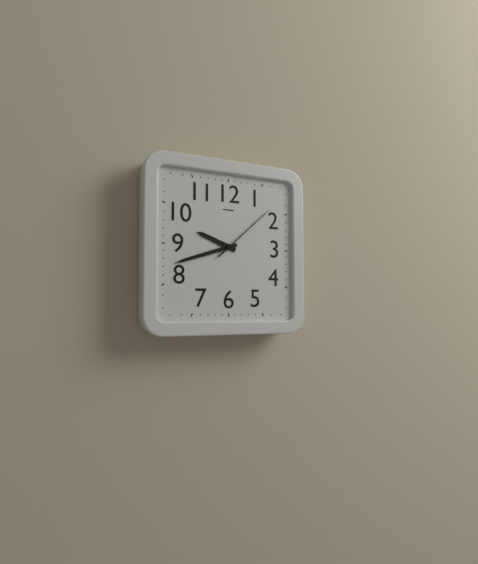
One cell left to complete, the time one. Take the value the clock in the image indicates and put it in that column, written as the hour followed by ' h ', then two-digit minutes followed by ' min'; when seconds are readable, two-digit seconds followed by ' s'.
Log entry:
9 h 42 min 08 s
